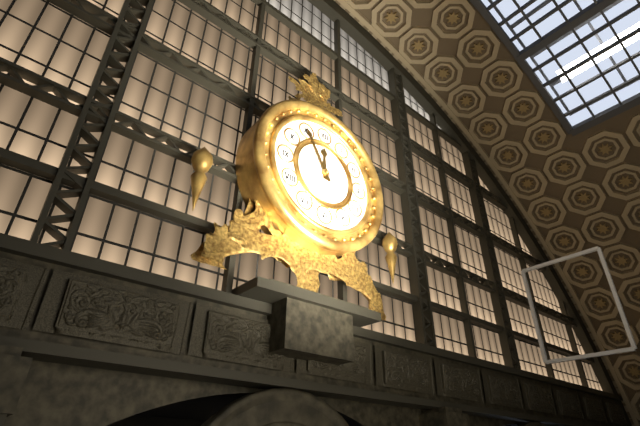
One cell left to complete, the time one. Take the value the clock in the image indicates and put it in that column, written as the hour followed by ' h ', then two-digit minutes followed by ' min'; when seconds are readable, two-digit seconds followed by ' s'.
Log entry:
11 h 55 min
